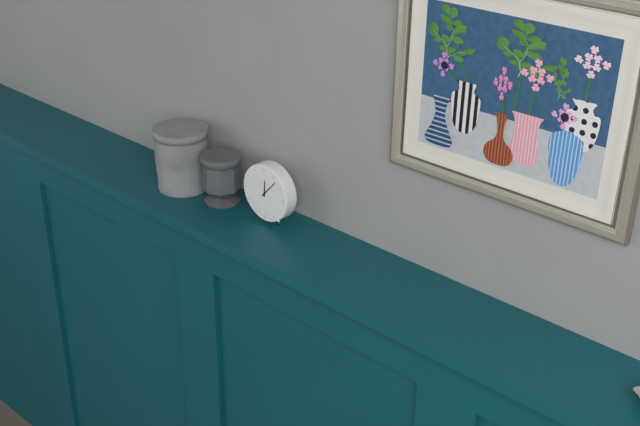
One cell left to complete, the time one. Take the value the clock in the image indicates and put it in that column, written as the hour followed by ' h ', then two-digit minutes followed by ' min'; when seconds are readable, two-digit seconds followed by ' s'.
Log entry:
12 h 07 min
